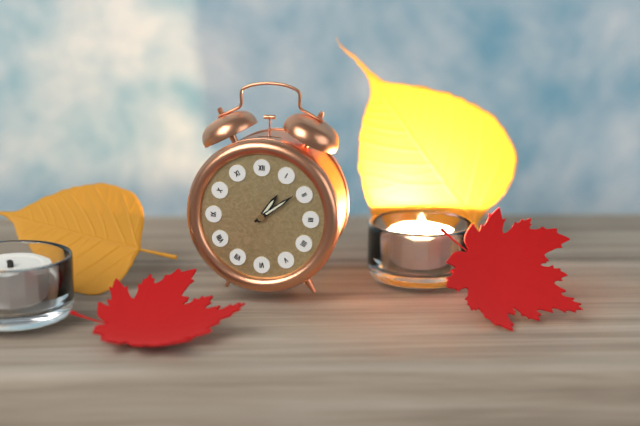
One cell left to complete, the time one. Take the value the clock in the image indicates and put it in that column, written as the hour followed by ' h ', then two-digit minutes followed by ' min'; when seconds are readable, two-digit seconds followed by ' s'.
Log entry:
1 h 09 min
